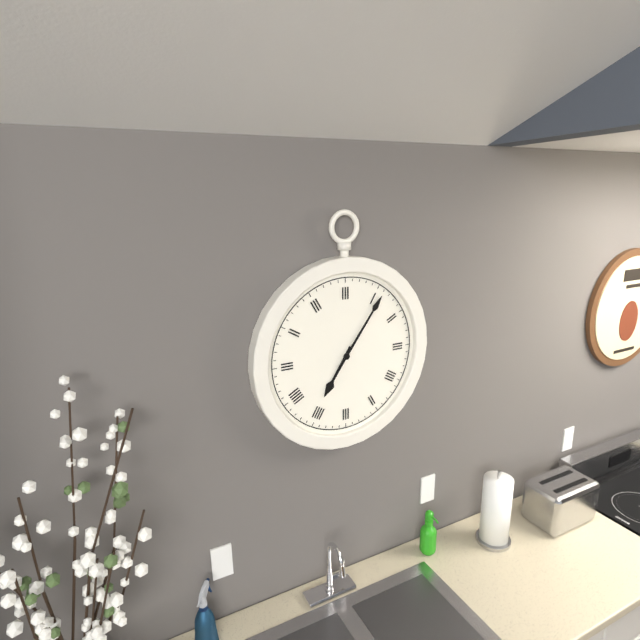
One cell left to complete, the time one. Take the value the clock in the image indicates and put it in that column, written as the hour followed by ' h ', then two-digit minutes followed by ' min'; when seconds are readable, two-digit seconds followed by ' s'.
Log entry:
7 h 06 min
